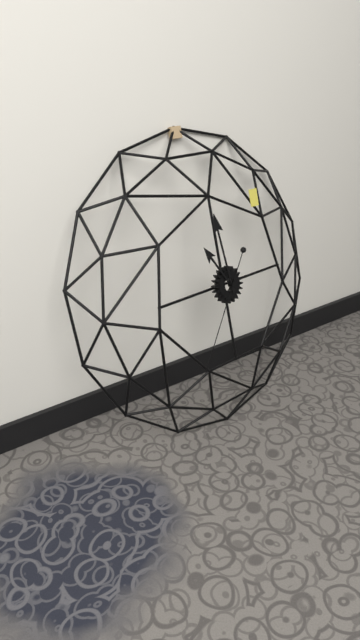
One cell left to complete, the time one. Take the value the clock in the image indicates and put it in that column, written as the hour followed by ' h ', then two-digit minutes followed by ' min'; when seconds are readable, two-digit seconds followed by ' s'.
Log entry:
10 h 59 min 36 s
